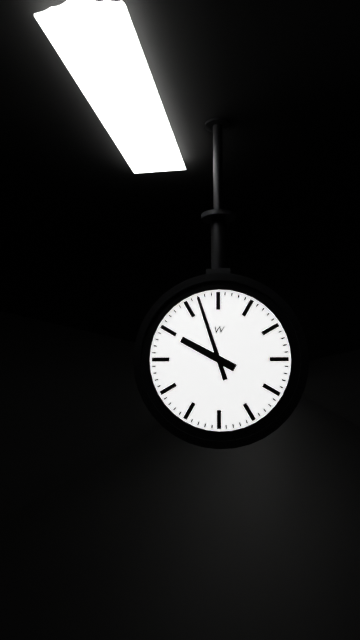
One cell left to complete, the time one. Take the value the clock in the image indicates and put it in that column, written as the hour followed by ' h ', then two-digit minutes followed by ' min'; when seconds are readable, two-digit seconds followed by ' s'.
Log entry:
9 h 57 min
